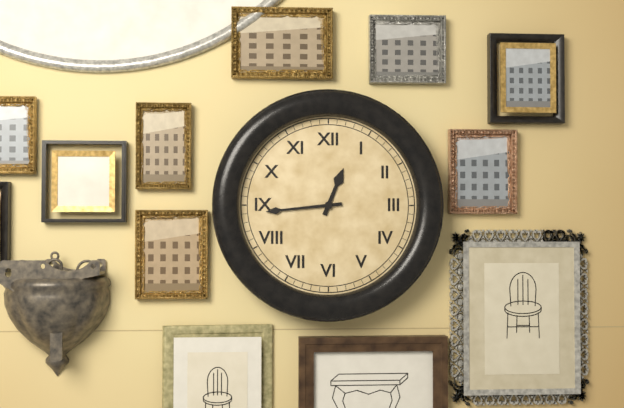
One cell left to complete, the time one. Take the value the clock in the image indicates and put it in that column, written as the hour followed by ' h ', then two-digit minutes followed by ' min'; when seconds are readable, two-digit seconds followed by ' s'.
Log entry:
12 h 44 min
